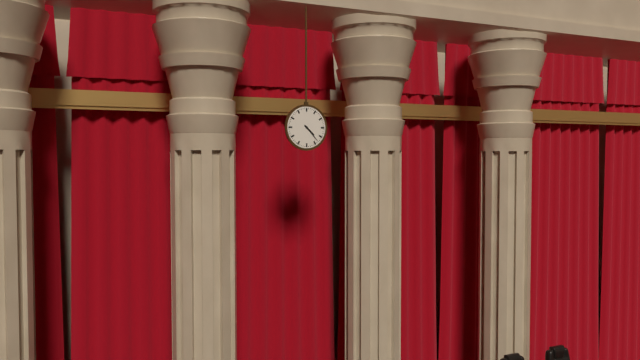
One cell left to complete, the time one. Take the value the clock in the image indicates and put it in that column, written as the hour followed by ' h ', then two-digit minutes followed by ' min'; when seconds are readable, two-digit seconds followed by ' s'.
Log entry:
4 h 23 min
